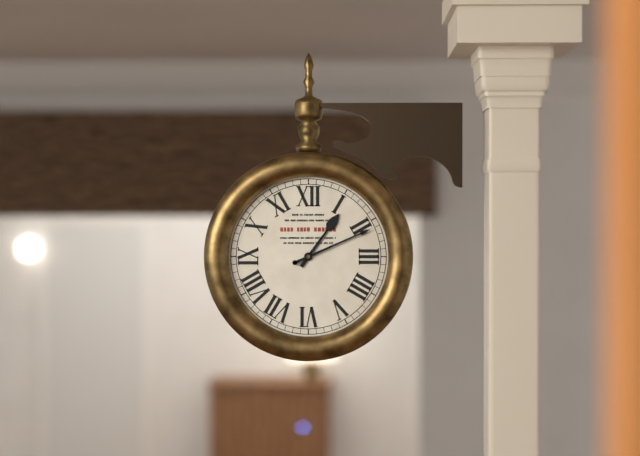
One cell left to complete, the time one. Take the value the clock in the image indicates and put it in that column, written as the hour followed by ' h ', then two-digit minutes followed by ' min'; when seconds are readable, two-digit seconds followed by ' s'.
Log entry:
1 h 11 min
